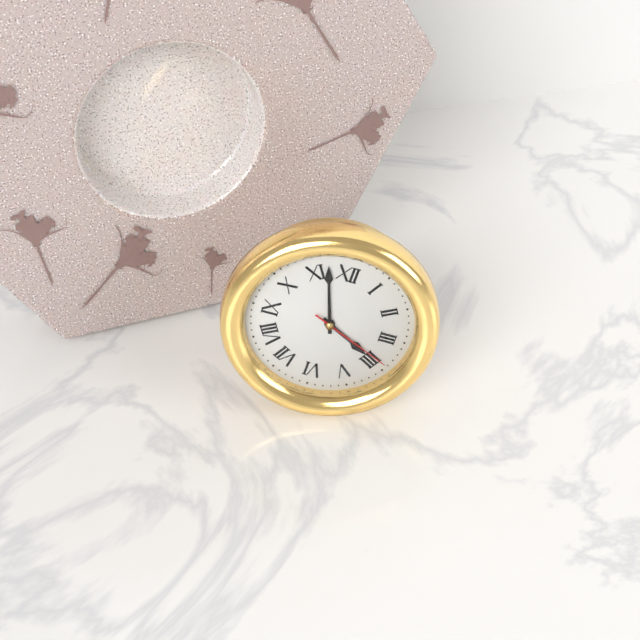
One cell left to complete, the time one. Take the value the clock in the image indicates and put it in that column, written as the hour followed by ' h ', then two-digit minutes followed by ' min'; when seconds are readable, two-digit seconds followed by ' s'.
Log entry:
3 h 57 min 19 s
